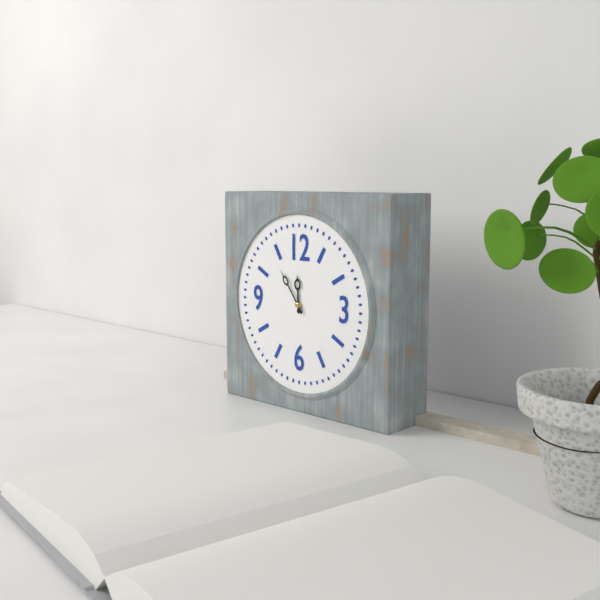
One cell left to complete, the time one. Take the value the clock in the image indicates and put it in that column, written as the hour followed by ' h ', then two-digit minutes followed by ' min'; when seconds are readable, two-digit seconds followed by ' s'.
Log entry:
11 h 54 min
